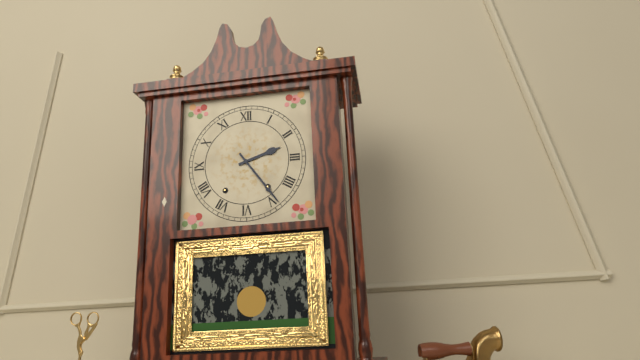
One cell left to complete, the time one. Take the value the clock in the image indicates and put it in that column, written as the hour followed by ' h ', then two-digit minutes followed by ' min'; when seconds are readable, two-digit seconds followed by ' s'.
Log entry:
2 h 24 min
